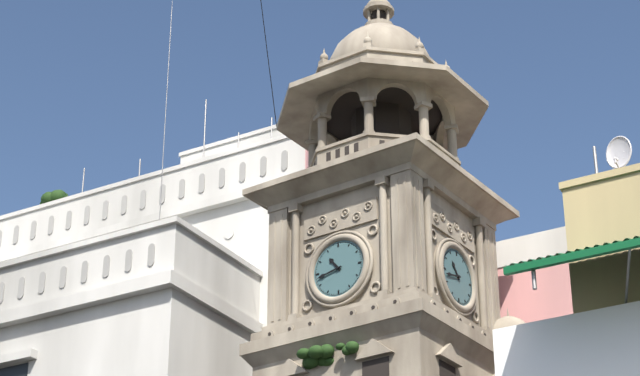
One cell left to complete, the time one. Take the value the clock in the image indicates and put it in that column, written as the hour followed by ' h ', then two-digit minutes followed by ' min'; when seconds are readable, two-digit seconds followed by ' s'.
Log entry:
10 h 43 min
